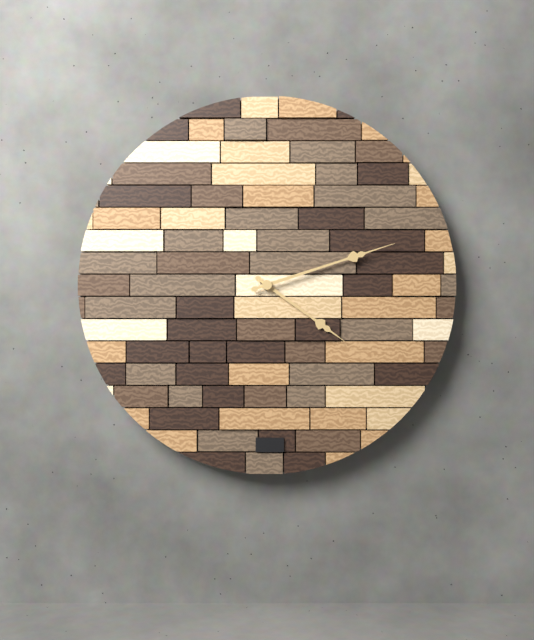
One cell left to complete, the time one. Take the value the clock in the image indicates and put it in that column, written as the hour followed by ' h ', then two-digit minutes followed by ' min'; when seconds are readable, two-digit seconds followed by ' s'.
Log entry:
4 h 12 min
